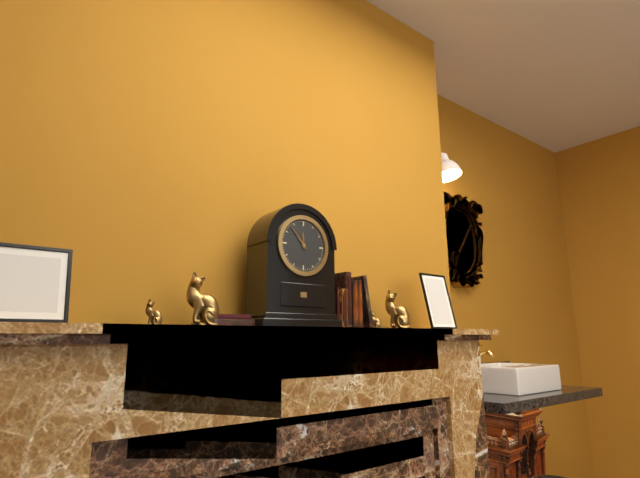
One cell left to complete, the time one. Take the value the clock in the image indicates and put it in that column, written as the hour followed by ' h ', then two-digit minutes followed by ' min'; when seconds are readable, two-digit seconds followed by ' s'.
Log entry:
11 h 53 min
